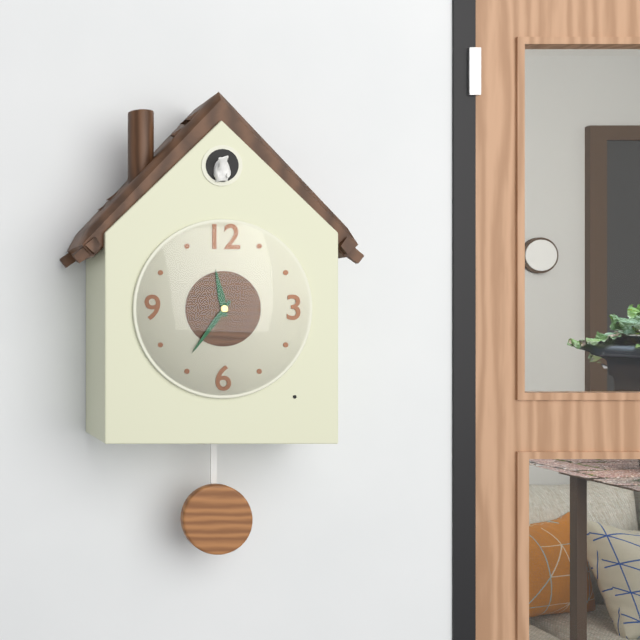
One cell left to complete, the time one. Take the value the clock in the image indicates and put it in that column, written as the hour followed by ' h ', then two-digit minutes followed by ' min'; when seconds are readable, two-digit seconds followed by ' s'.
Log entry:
11 h 36 min
